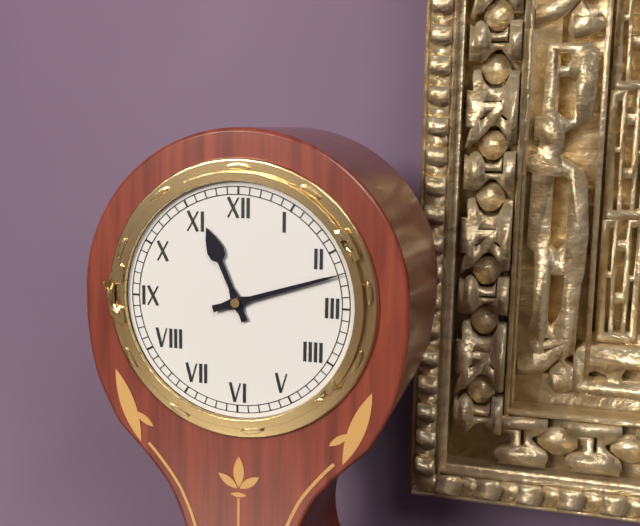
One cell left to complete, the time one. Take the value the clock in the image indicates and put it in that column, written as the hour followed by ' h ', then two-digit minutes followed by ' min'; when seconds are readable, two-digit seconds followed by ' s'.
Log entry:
11 h 12 min
